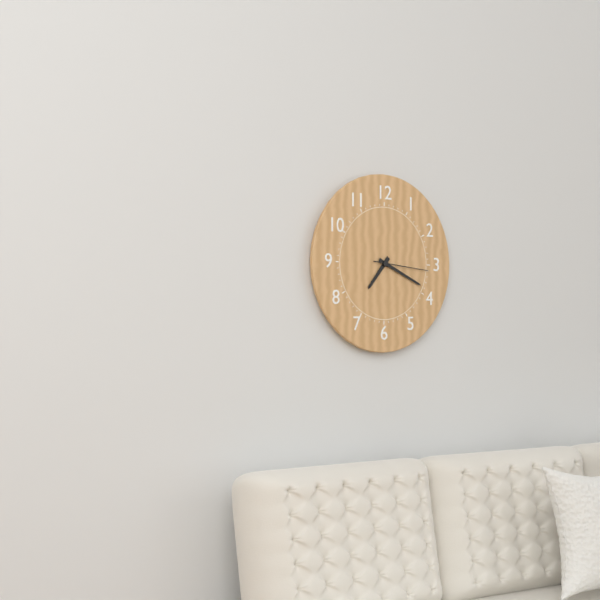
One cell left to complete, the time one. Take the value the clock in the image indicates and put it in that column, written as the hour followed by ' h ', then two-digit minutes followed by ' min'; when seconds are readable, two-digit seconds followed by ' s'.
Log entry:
7 h 19 min 16 s
